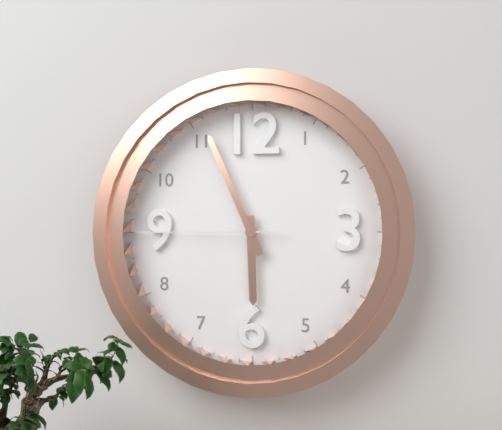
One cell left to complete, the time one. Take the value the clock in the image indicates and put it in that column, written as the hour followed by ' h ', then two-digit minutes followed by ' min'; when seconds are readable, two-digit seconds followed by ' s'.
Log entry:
5 h 56 min 45 s
